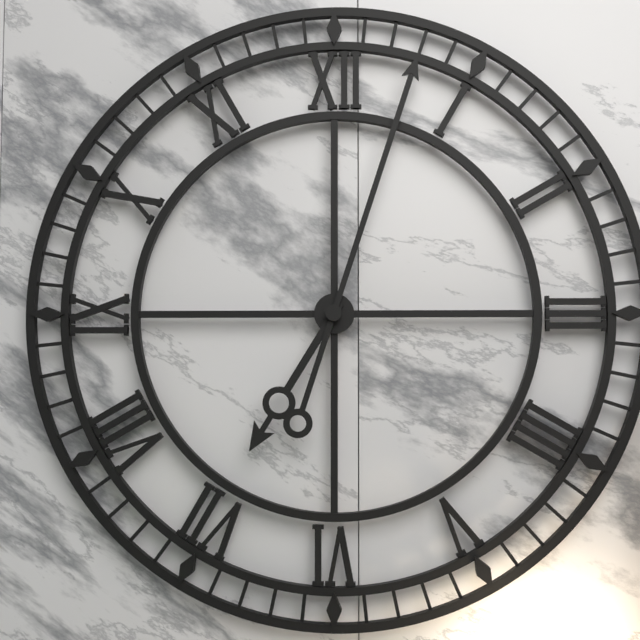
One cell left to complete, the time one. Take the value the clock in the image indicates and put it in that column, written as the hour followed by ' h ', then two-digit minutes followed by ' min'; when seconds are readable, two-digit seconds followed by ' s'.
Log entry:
7 h 03 min
